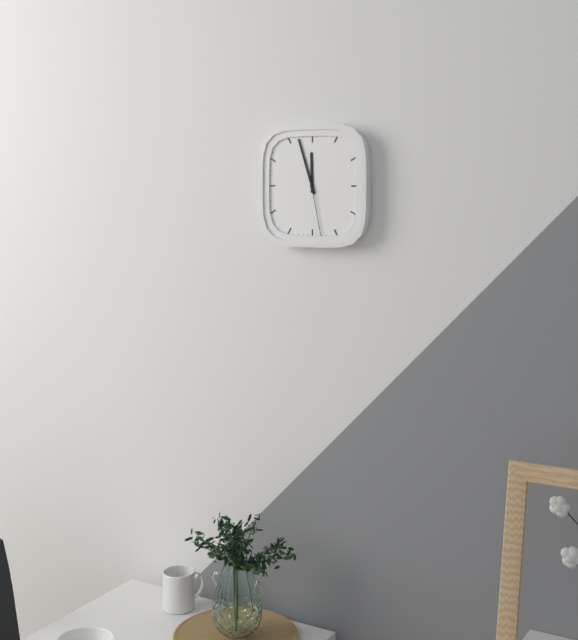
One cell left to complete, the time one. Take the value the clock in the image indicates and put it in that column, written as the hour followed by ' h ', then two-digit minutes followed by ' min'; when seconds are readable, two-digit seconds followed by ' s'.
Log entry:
11 h 57 min 28 s
